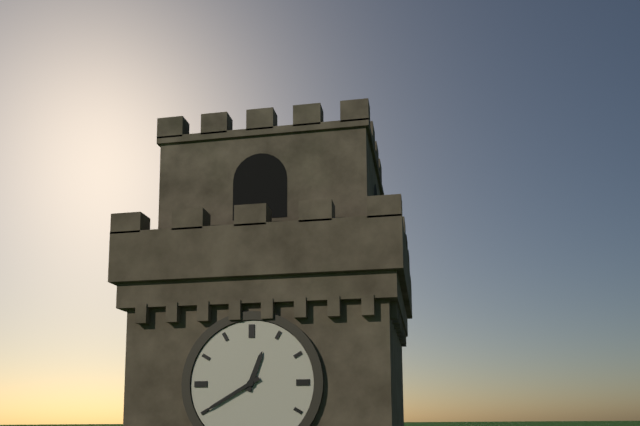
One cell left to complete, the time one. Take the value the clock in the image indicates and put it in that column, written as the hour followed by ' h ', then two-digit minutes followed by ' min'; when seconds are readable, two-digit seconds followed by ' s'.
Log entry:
12 h 40 min
